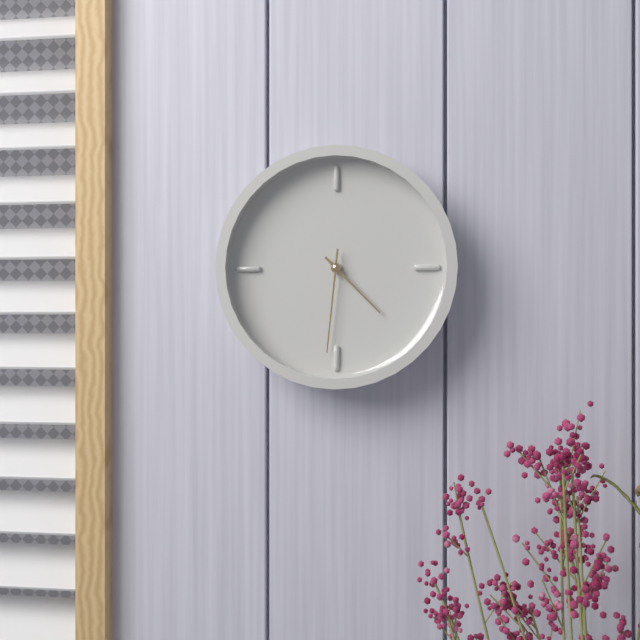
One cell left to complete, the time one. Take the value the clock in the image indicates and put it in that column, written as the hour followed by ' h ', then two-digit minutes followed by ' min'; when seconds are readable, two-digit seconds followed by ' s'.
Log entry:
4 h 31 min
